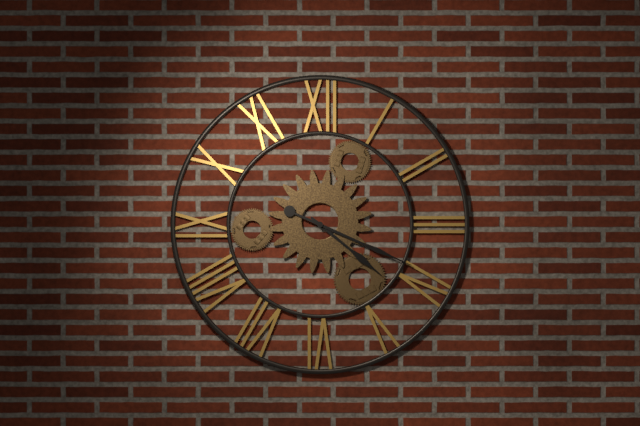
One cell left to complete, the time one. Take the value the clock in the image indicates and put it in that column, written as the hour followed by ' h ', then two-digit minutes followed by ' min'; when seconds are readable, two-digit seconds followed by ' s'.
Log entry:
4 h 19 min
